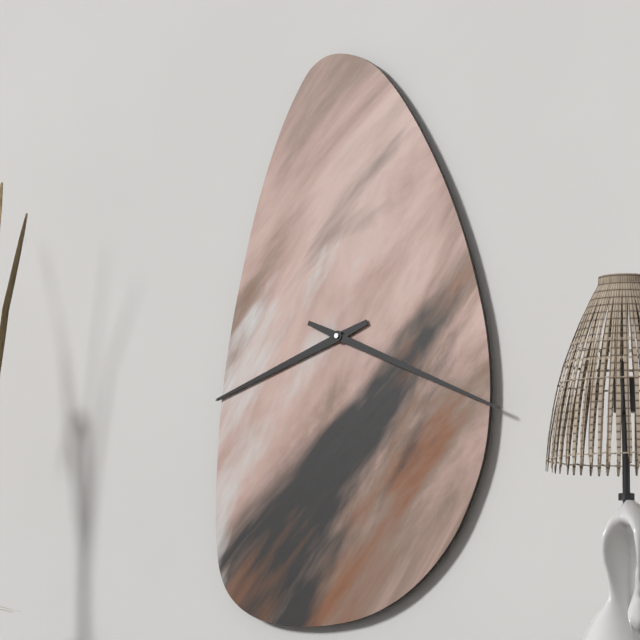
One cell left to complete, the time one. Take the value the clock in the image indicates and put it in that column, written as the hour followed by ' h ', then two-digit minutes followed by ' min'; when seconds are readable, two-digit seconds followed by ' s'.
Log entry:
8 h 19 min
